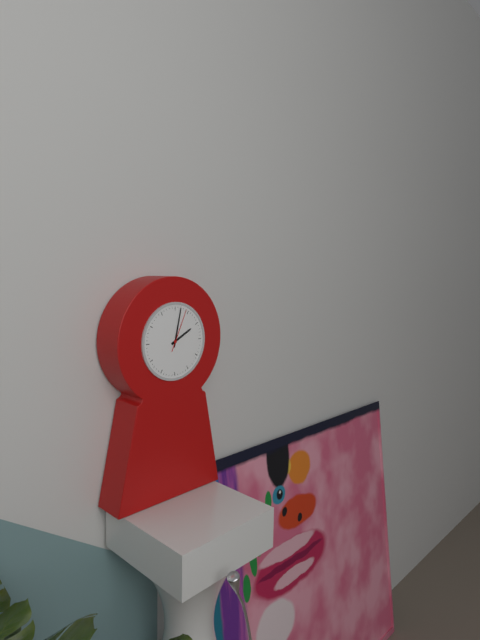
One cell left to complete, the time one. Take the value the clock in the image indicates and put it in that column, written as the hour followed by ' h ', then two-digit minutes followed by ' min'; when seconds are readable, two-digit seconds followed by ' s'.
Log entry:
2 h 02 min
